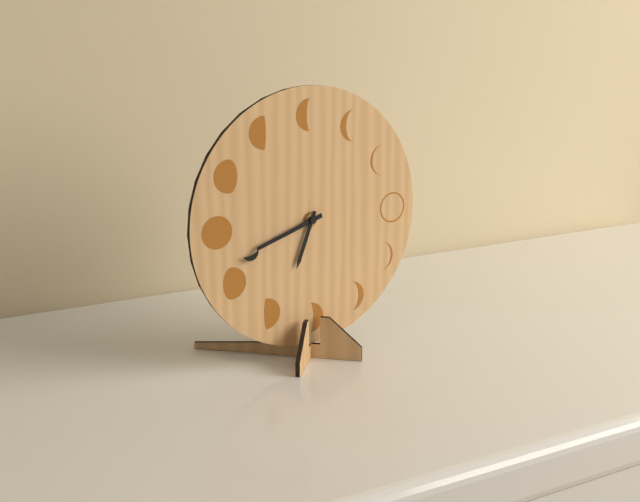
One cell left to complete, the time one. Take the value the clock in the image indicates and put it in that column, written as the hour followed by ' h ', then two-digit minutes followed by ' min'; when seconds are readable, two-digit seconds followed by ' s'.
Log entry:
6 h 42 min
